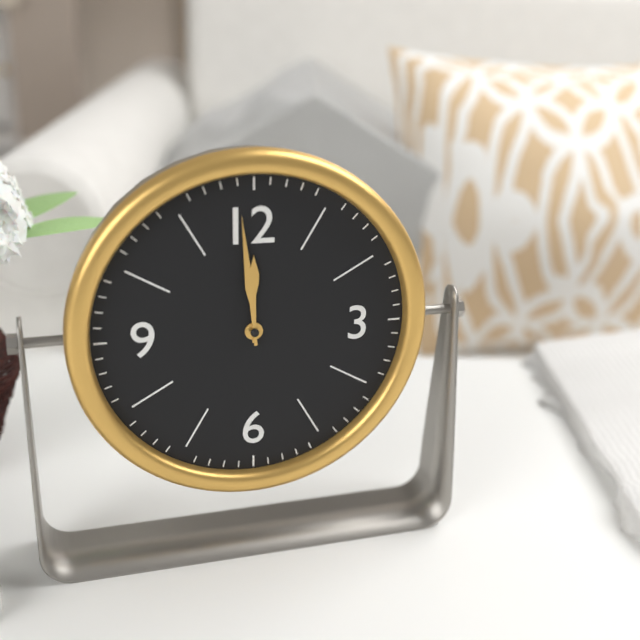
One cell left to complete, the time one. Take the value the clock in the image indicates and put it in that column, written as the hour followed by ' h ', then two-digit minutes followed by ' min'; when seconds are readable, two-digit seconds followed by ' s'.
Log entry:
11 h 59 min
